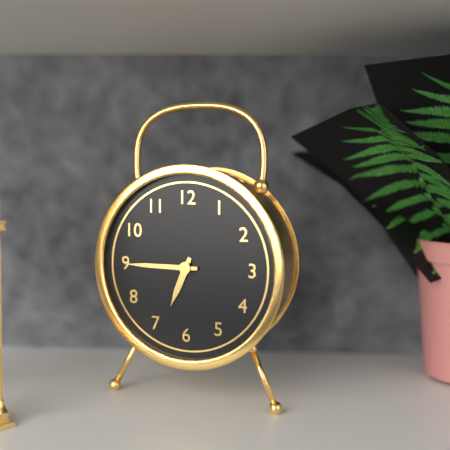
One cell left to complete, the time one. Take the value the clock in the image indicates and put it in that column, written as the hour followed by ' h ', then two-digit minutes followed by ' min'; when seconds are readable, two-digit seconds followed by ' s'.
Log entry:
6 h 45 min
